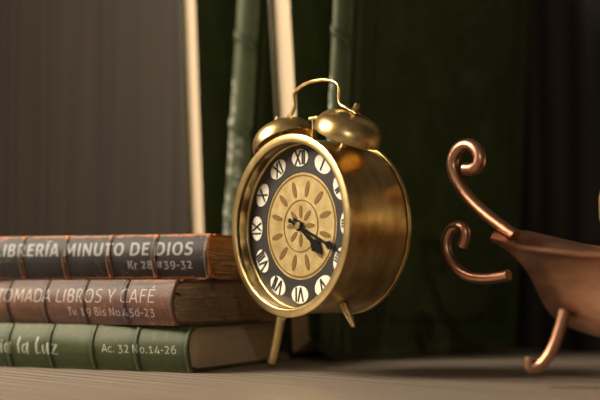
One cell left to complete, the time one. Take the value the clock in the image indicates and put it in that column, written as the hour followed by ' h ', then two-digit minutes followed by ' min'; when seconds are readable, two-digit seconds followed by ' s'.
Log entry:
4 h 19 min
